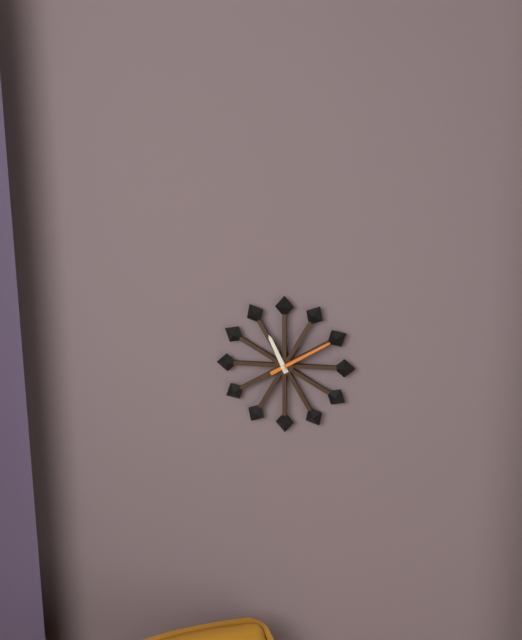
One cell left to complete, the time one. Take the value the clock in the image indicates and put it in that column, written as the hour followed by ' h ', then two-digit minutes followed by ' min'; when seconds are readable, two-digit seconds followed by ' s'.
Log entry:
11 h 10 min
